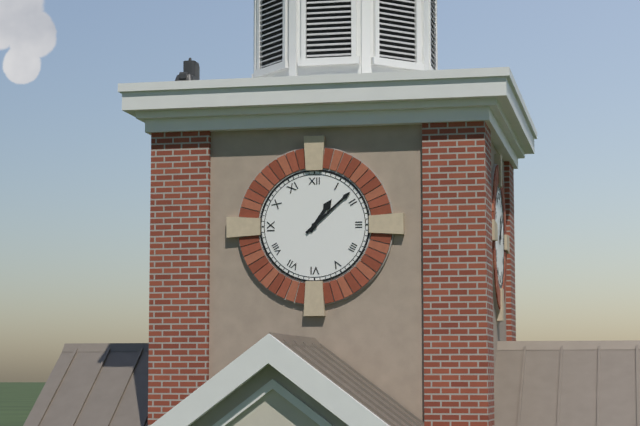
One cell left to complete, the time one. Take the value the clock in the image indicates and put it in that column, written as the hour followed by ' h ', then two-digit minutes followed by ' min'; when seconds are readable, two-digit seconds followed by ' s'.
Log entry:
1 h 08 min
